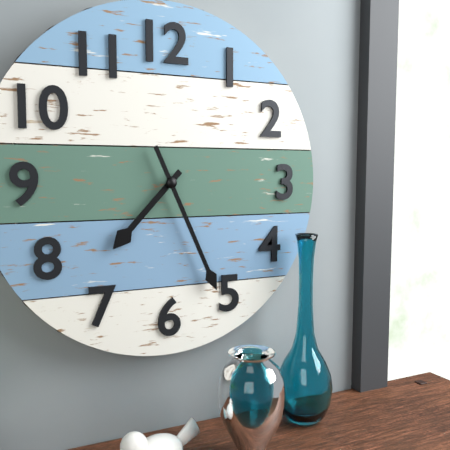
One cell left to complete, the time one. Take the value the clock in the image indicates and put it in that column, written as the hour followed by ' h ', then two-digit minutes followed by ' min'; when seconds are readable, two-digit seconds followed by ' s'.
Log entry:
7 h 26 min
